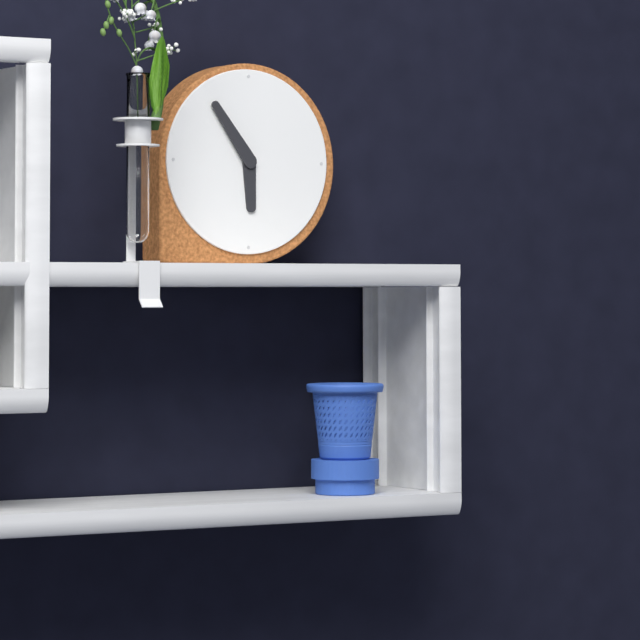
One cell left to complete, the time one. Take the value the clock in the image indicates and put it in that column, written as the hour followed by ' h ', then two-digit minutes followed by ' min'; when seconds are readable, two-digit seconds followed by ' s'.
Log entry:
5 h 54 min
